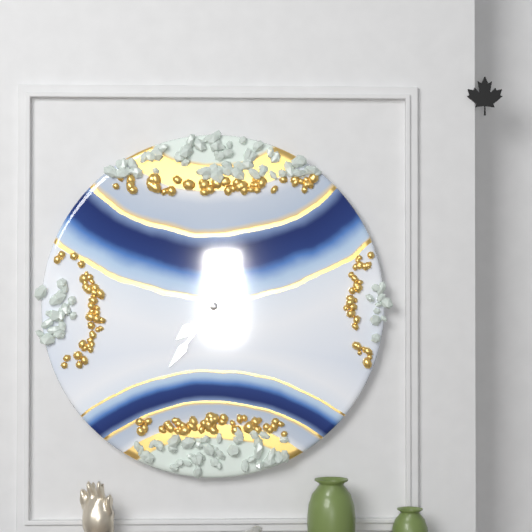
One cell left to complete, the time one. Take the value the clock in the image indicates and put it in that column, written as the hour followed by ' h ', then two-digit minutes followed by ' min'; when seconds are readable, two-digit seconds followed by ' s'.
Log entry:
7 h 36 min
